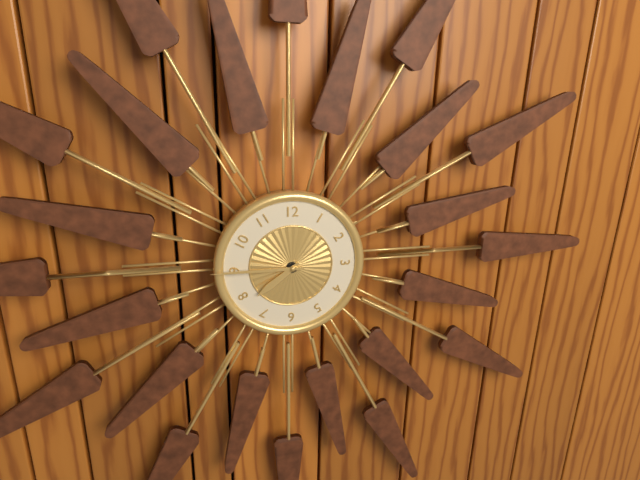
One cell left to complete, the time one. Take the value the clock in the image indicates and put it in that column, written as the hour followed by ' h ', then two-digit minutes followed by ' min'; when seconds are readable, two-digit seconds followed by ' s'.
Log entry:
7 h 45 min
